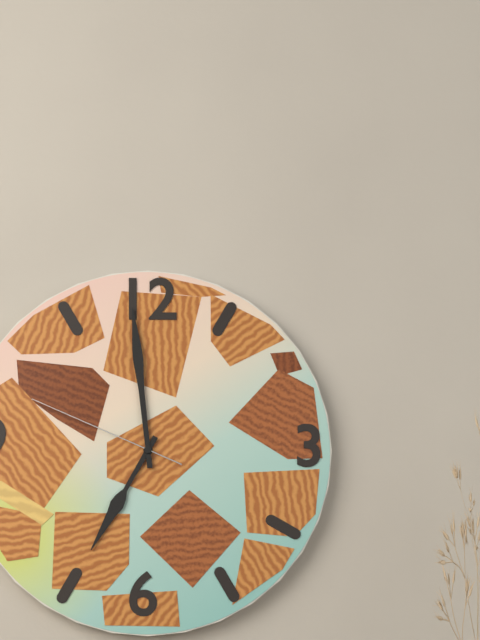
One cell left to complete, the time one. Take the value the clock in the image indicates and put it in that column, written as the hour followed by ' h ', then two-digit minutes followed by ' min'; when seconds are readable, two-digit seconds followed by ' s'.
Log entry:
6 h 59 min 49 s
